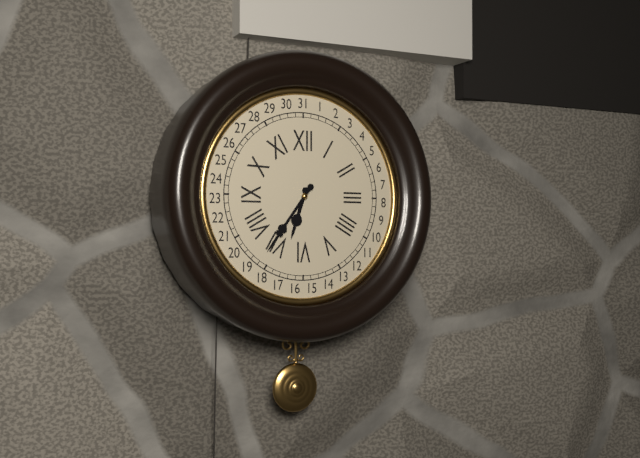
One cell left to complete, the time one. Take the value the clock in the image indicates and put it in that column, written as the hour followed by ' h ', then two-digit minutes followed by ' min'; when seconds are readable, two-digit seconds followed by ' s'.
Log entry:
6 h 36 min
